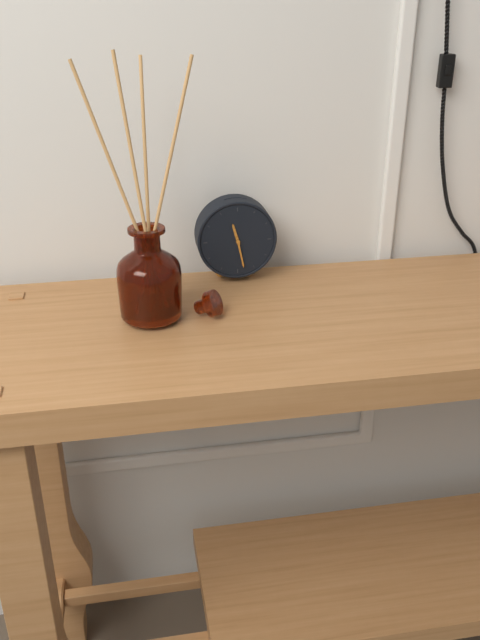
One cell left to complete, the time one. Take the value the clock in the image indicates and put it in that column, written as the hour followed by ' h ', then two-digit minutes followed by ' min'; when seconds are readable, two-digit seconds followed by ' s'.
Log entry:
11 h 28 min
